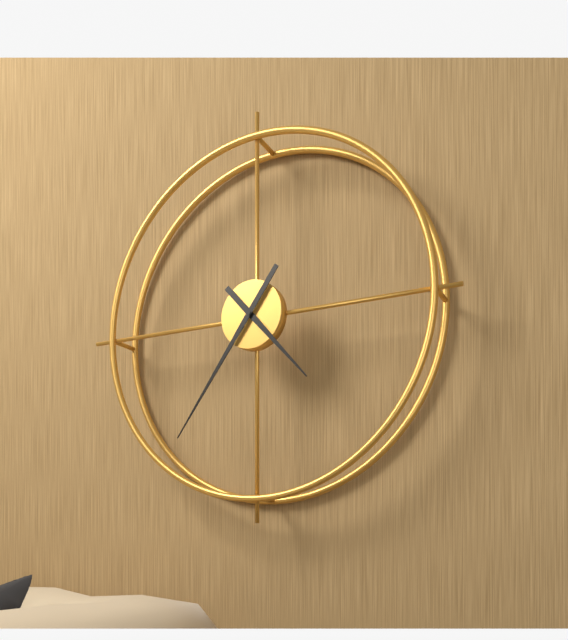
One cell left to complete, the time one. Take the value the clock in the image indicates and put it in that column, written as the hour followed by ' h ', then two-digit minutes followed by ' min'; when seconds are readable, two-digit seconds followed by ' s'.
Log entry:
4 h 36 min
